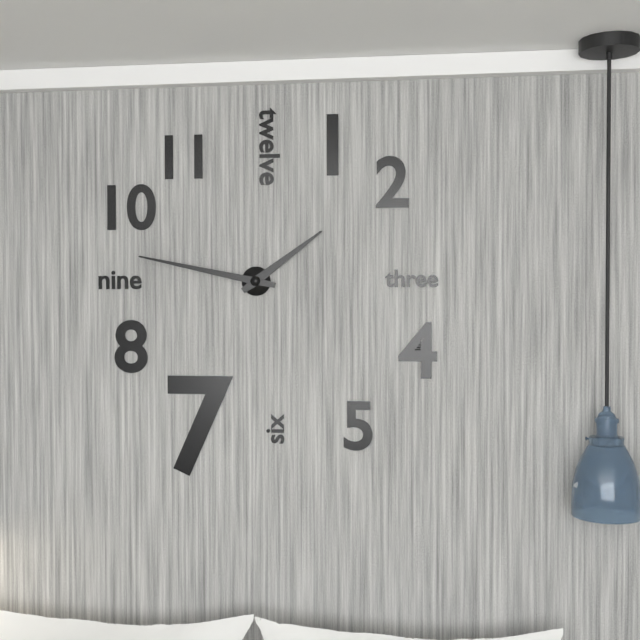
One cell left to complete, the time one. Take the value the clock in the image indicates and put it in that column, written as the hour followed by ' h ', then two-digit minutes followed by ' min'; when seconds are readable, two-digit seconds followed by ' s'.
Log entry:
1 h 47 min
